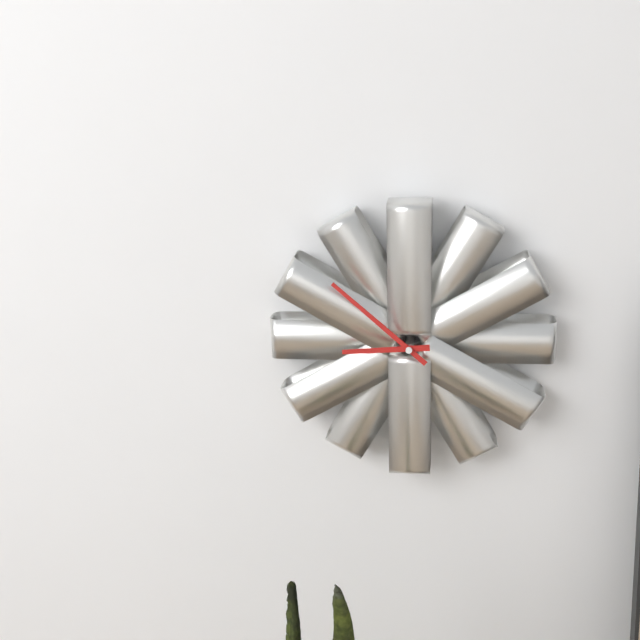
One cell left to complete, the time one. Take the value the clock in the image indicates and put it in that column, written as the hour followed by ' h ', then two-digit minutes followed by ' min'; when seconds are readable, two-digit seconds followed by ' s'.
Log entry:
8 h 52 min
